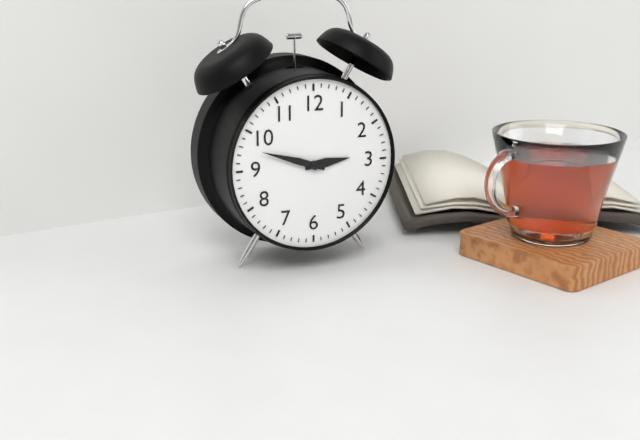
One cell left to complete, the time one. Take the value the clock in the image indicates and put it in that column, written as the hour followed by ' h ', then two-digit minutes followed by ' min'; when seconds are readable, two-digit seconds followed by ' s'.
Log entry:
2 h 48 min
